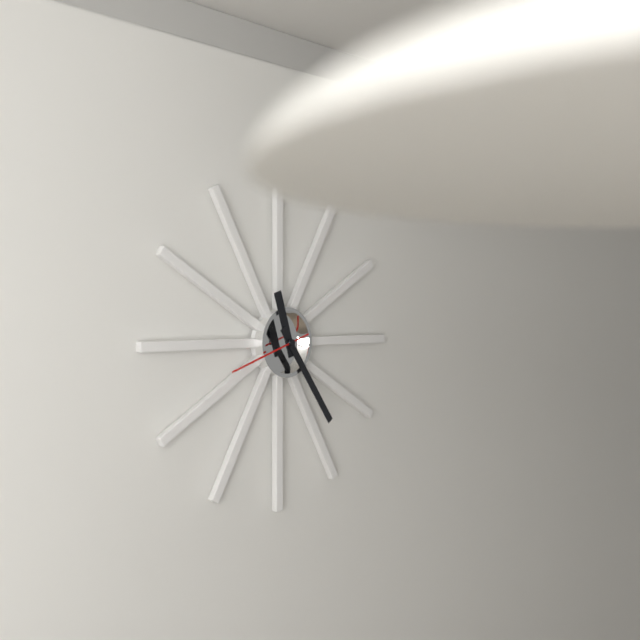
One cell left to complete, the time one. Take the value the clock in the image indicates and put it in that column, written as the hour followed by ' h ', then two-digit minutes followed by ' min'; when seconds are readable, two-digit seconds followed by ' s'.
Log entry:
11 h 24 min 42 s
